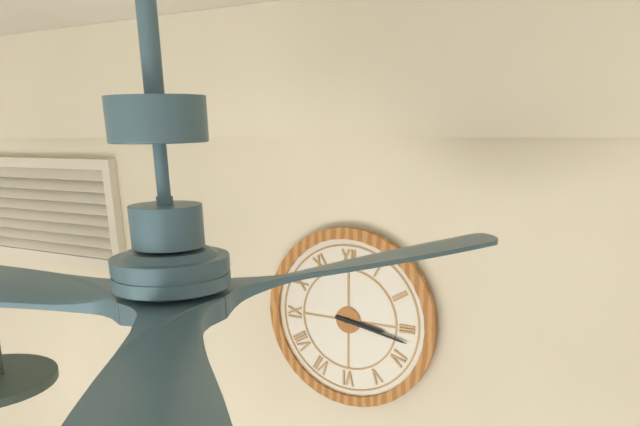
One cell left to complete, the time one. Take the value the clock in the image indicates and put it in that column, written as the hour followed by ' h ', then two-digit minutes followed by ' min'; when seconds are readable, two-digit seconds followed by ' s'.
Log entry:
3 h 17 min
